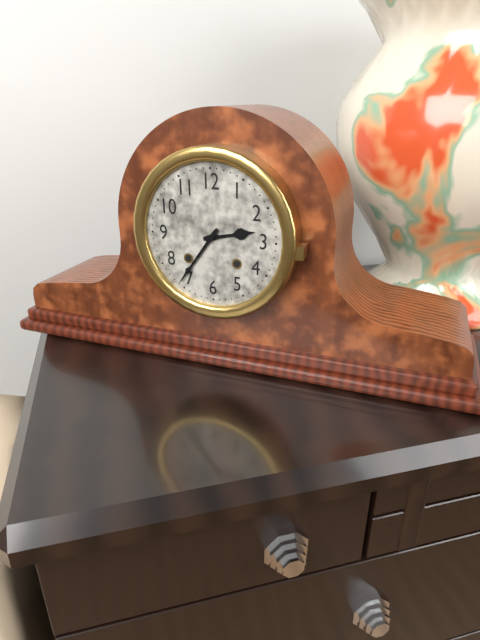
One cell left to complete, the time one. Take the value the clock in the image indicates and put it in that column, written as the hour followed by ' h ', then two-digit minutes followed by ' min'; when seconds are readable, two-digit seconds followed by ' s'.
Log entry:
2 h 36 min
